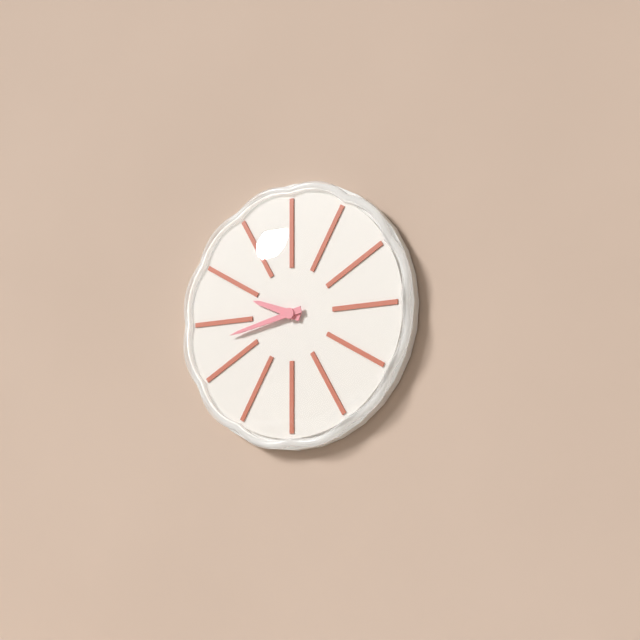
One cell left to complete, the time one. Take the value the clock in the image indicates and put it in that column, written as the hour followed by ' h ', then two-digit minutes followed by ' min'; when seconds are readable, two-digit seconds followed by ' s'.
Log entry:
9 h 43 min
